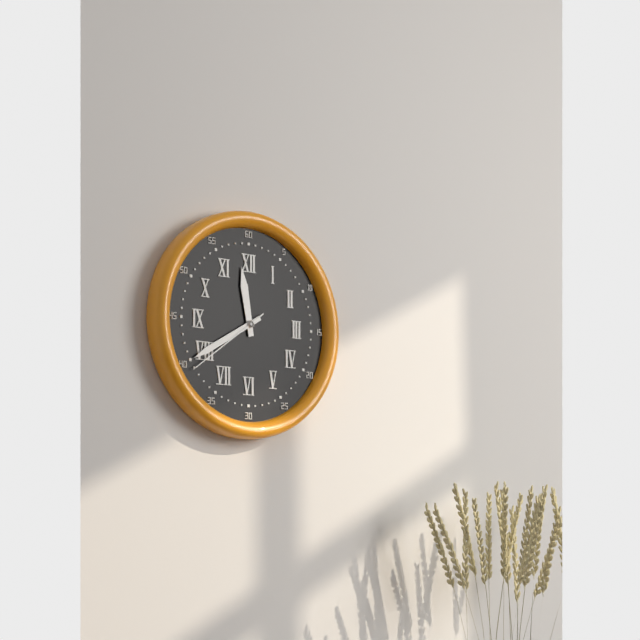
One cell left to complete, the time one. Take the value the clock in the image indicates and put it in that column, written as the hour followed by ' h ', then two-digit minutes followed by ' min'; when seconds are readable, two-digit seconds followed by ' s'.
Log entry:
11 h 40 min 39 s
